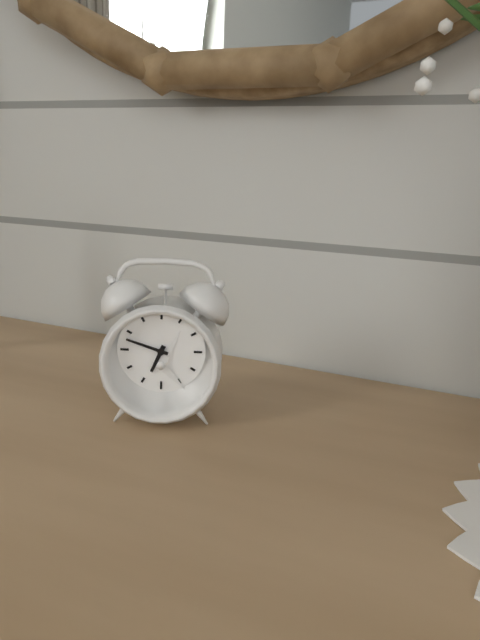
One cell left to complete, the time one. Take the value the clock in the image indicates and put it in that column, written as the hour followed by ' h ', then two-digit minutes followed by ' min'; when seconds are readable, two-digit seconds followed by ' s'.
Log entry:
6 h 48 min
